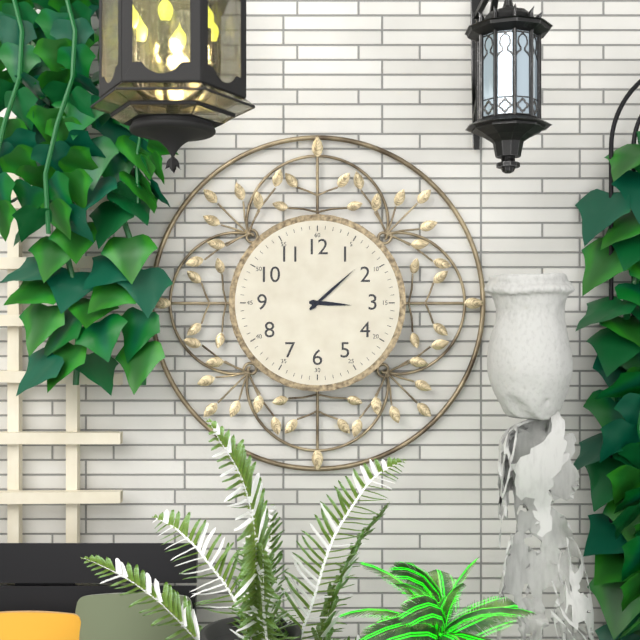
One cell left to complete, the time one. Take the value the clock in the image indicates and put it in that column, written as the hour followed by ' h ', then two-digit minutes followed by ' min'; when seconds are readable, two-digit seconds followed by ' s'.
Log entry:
3 h 08 min
